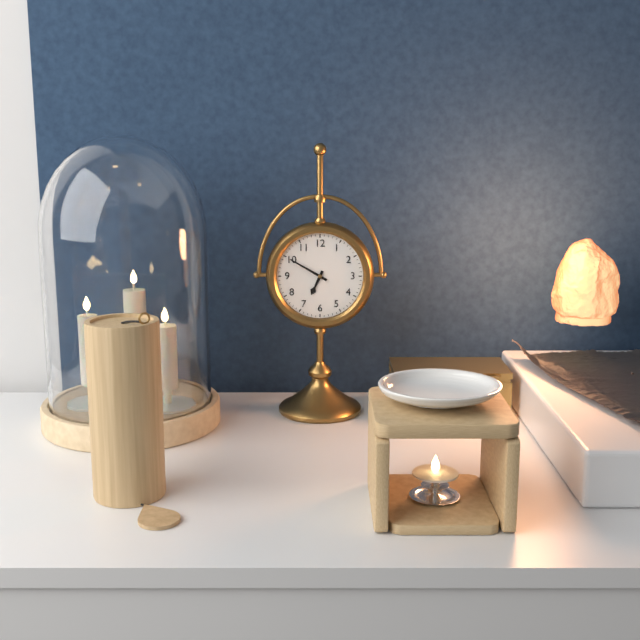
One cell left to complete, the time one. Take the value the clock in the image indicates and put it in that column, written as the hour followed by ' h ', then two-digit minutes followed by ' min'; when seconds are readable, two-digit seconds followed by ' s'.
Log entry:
6 h 50 min
